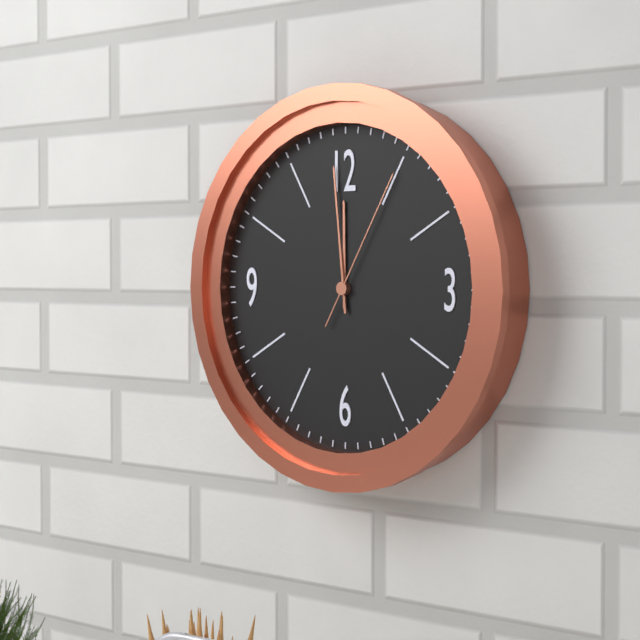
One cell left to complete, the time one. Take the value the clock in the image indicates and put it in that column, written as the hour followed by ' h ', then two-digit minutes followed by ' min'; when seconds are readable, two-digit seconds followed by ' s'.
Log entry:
11 h 59 min 05 s
